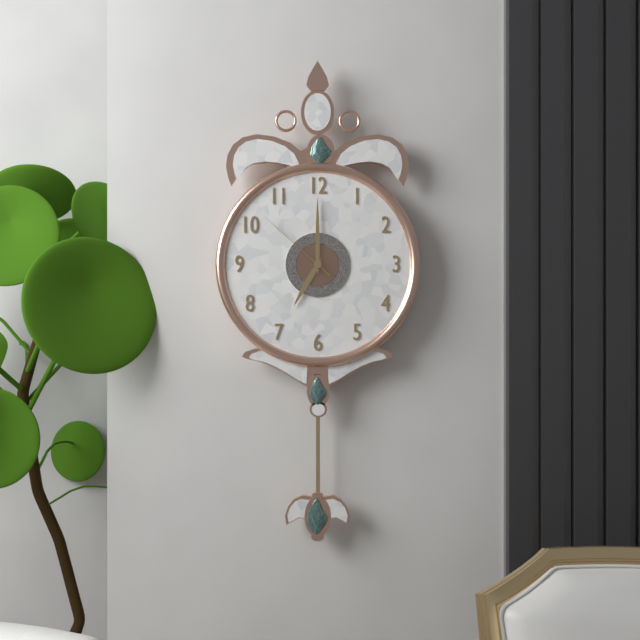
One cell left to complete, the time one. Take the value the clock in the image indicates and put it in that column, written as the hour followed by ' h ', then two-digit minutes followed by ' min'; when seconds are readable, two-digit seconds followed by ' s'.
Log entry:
7 h 00 min 52 s
